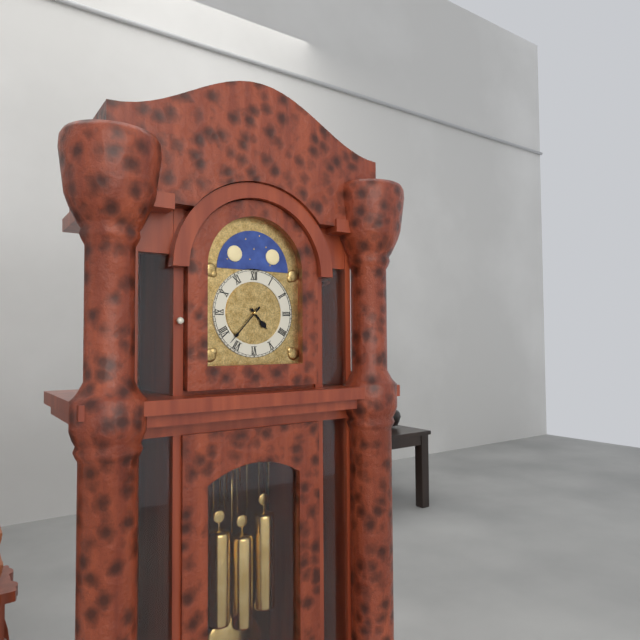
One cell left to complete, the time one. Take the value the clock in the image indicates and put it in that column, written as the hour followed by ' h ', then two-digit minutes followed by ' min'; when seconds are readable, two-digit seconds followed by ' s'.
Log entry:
4 h 37 min
